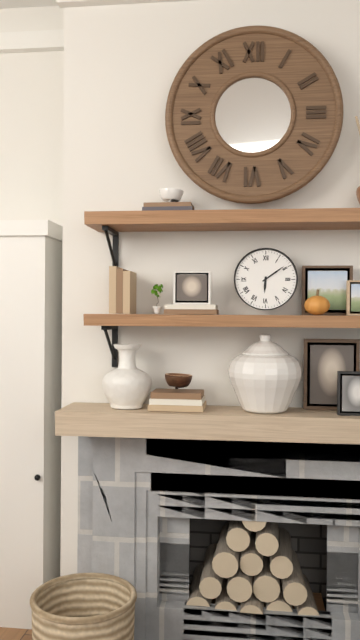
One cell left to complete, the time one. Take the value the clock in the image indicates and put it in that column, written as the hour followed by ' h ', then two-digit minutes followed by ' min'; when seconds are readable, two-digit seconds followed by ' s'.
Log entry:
6 h 09 min
